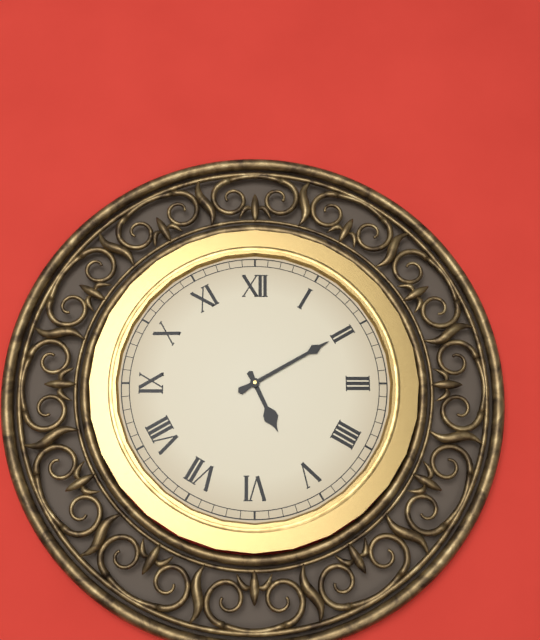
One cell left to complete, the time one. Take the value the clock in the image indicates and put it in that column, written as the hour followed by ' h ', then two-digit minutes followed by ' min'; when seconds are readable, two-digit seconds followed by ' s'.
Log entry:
5 h 10 min
